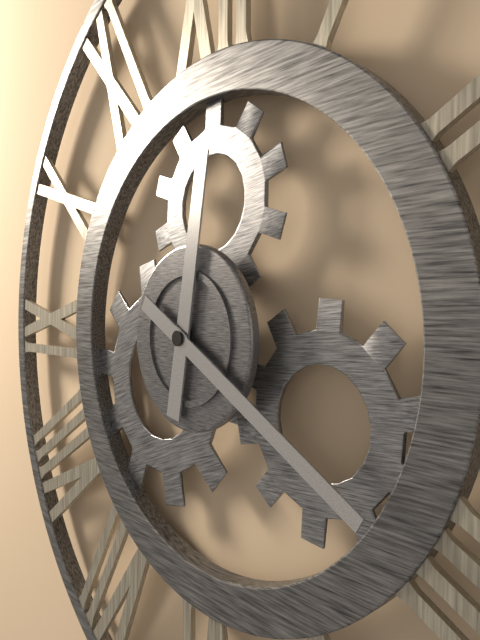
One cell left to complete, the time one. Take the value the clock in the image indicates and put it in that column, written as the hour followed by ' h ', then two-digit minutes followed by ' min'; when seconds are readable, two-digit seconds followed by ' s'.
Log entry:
12 h 20 min
